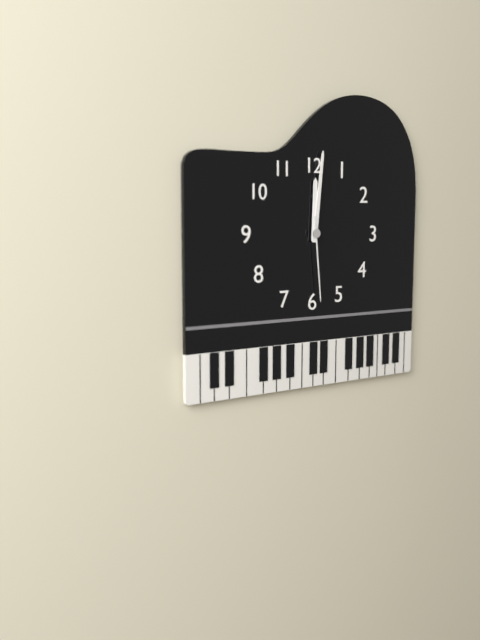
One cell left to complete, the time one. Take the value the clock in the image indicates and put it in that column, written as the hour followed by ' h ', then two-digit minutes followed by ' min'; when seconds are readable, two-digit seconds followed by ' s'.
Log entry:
12 h 01 min 29 s
